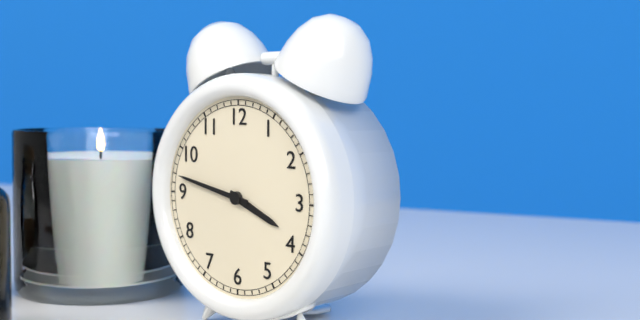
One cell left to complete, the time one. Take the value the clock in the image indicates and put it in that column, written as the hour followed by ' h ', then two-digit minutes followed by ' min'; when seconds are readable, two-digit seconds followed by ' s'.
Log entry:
3 h 47 min
